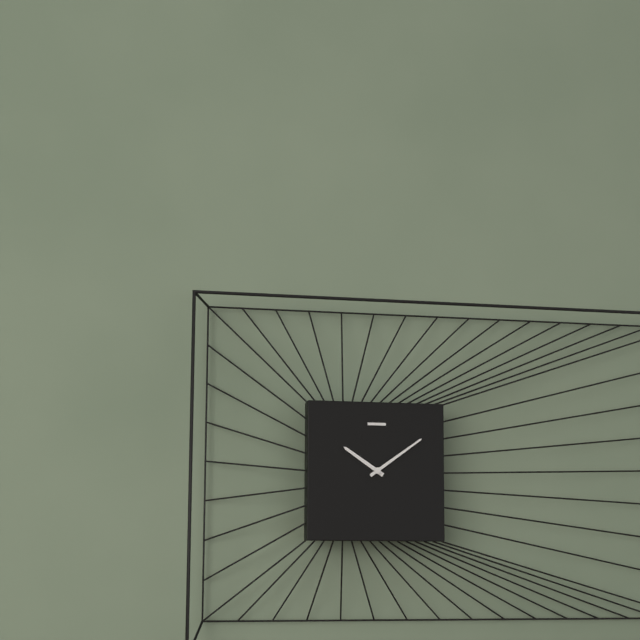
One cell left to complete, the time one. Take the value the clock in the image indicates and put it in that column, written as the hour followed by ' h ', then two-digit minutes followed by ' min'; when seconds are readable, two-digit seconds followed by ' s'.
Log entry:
10 h 09 min
